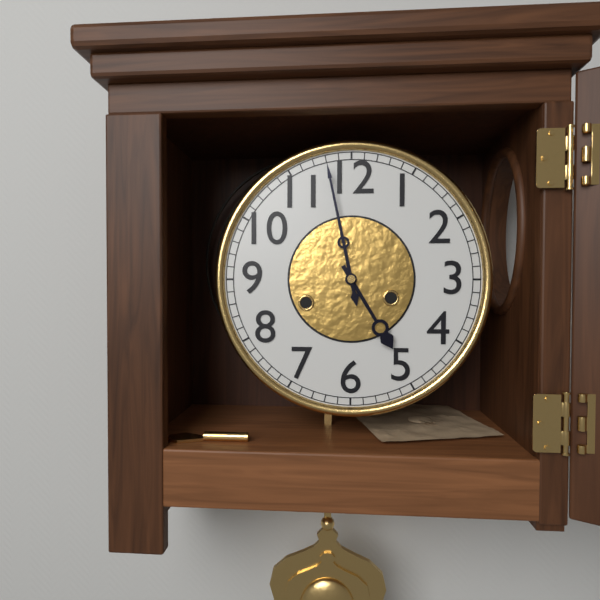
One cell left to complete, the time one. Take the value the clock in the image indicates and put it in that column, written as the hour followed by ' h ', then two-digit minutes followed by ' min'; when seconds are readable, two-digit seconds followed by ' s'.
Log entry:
4 h 58 min
